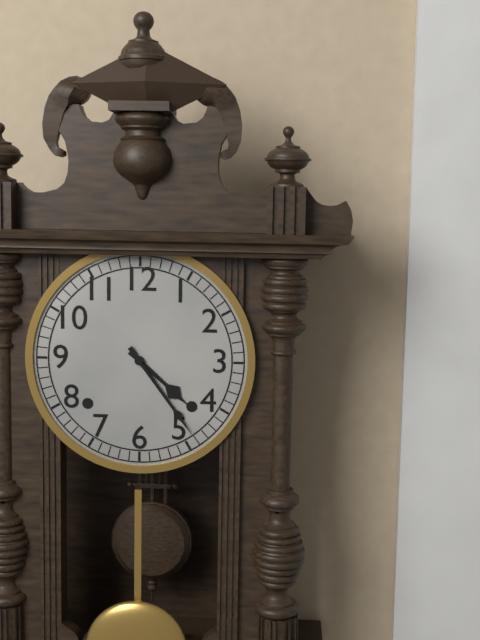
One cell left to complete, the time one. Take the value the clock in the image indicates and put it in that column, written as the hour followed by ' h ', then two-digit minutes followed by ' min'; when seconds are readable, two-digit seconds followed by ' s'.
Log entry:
4 h 24 min
